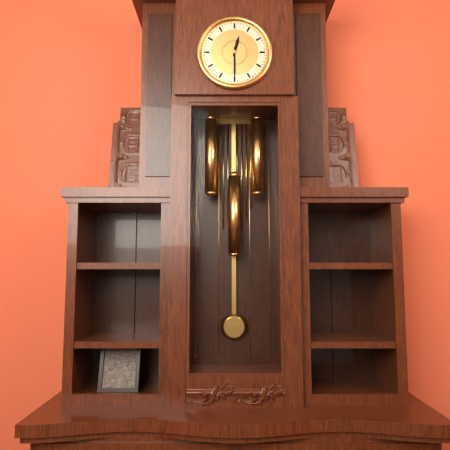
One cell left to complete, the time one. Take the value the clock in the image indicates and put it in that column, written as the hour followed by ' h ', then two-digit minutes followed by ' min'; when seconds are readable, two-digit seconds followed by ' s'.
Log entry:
12 h 30 min
